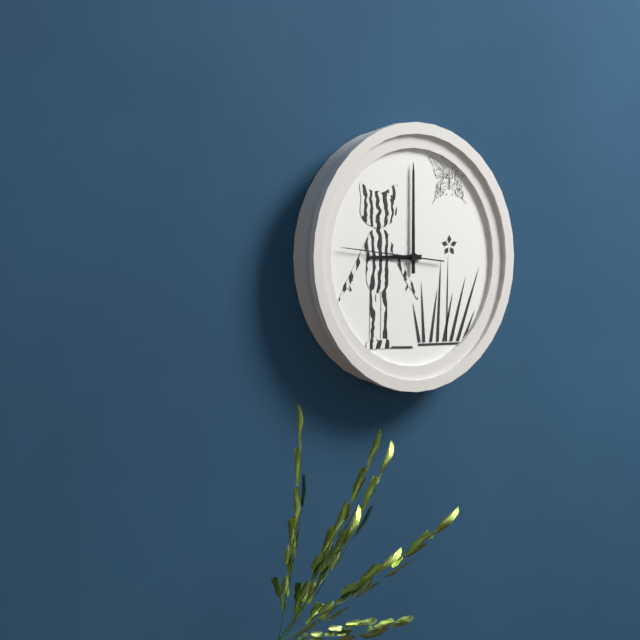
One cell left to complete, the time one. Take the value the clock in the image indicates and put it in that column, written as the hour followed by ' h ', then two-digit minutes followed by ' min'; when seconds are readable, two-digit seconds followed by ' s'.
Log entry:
9 h 00 min 46 s
